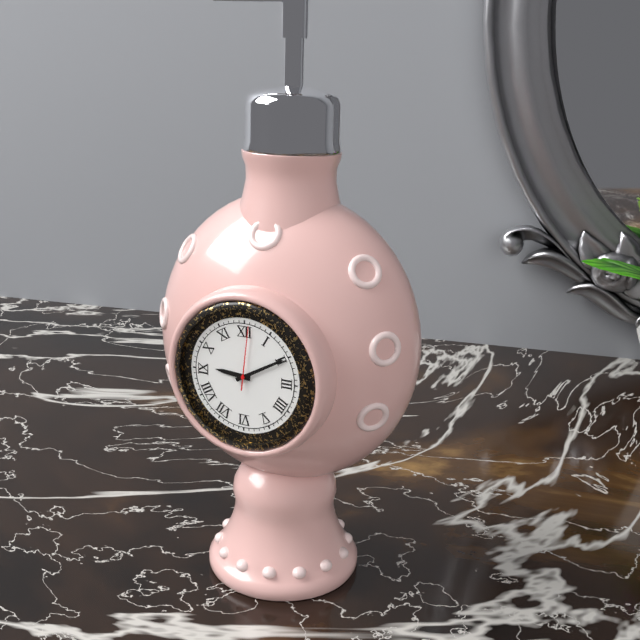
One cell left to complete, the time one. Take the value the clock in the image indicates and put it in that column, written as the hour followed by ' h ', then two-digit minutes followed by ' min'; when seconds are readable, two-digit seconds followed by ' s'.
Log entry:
9 h 10 min 01 s
